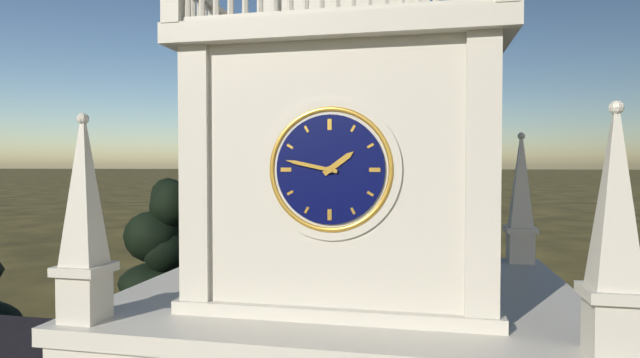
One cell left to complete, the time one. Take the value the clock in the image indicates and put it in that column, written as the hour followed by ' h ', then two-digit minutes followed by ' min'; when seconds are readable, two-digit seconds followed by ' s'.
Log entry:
1 h 47 min
